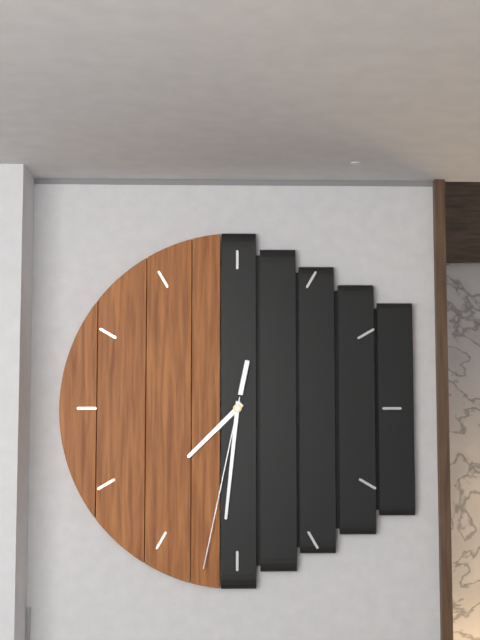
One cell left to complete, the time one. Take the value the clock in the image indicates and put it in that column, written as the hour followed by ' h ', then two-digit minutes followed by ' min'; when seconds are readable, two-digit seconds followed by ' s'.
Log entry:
7 h 31 min 32 s
